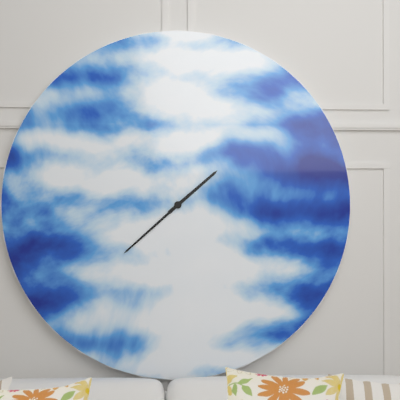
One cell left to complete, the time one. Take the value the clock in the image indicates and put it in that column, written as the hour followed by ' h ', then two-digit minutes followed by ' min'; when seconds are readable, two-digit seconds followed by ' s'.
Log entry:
1 h 38 min
